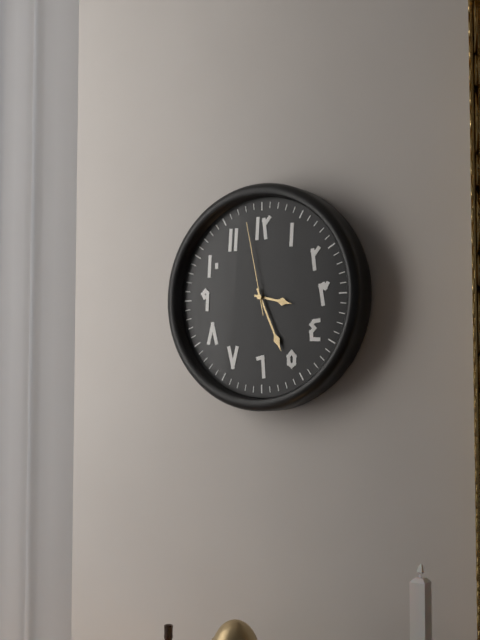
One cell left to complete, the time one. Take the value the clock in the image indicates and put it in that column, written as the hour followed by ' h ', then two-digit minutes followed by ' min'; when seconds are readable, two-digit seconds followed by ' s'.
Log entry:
3 h 26 min 58 s
